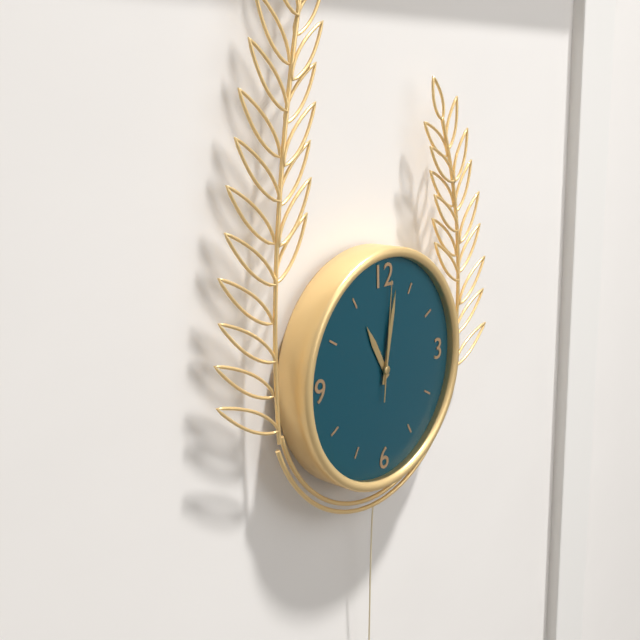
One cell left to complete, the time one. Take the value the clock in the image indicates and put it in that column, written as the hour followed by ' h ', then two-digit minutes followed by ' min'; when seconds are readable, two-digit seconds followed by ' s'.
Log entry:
11 h 02 min 01 s
